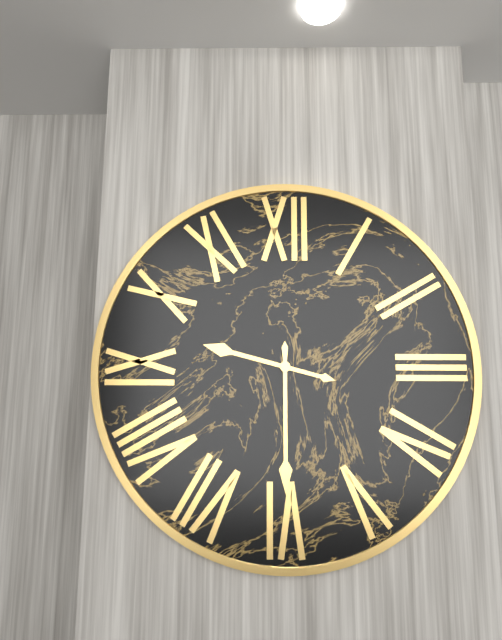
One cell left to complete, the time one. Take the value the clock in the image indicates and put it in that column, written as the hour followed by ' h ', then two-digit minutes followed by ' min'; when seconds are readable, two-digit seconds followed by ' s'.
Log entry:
9 h 30 min
